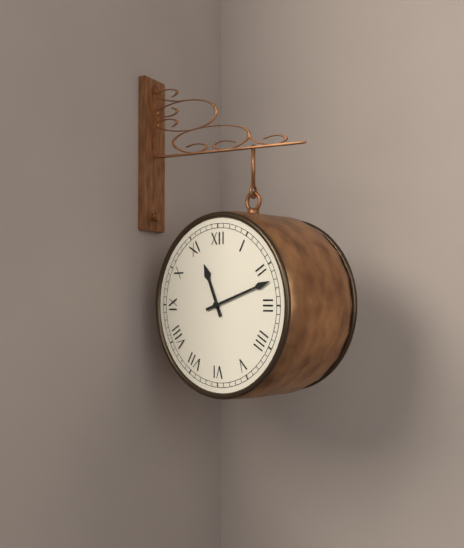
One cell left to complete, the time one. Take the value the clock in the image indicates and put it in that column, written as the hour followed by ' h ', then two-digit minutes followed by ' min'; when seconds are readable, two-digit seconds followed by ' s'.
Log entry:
11 h 12 min
